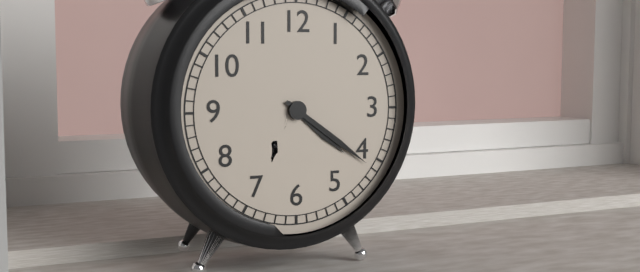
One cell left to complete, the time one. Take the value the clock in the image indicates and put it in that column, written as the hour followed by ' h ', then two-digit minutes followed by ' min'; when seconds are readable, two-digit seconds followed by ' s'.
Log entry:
4 h 21 min
